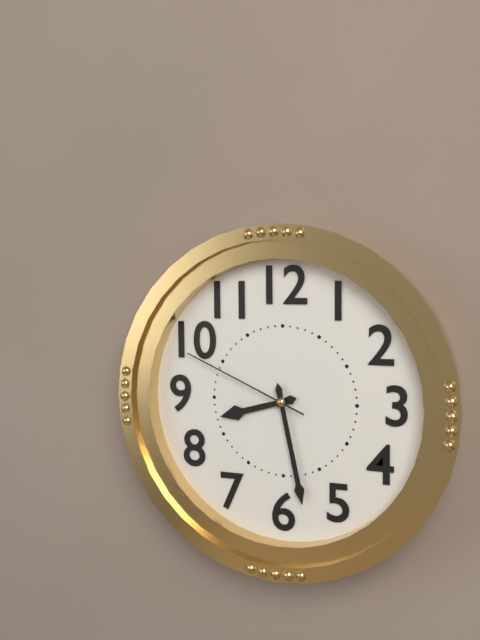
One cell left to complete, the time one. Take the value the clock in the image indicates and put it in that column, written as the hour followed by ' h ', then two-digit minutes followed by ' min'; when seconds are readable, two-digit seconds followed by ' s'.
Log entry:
8 h 28 min 49 s
